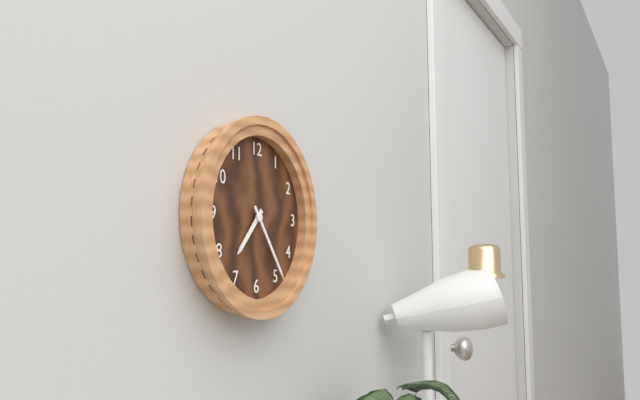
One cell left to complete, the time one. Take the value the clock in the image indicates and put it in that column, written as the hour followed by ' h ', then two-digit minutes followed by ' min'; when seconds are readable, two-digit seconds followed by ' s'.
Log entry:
7 h 24 min
